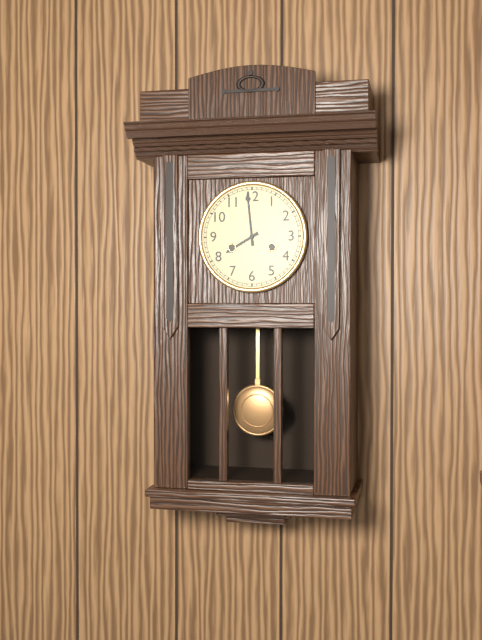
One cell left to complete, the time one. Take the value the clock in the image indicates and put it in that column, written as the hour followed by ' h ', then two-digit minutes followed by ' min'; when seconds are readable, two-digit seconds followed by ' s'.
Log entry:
7 h 59 min
